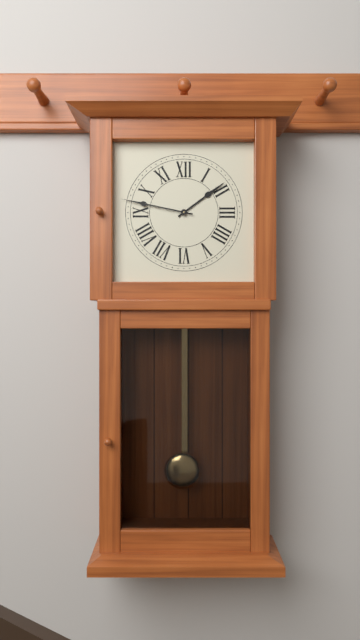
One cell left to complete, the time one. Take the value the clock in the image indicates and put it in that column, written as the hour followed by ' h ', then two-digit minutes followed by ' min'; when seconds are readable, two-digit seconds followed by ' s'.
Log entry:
1 h 47 min
